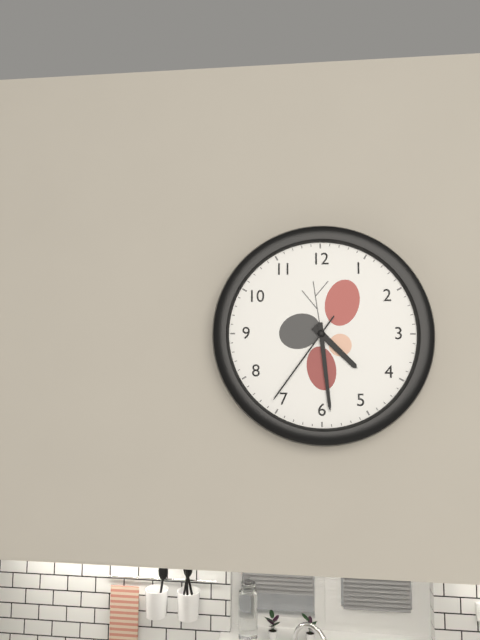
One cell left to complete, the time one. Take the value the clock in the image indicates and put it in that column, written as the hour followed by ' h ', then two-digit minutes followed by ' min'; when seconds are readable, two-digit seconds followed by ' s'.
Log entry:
4 h 29 min 36 s
